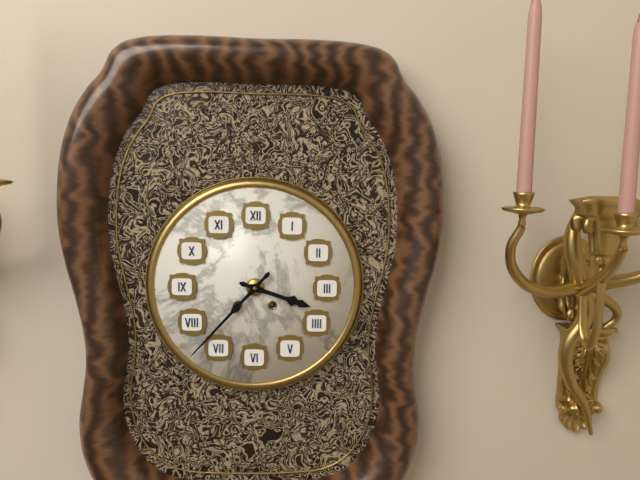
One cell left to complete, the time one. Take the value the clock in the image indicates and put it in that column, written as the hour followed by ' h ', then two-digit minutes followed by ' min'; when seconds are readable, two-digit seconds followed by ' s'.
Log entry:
3 h 37 min
